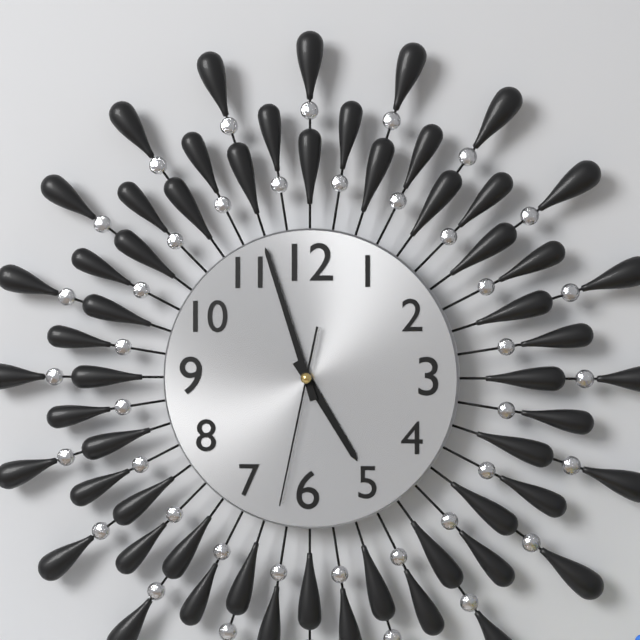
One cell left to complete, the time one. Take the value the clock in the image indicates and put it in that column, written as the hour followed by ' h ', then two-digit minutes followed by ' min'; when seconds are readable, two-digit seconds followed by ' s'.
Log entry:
4 h 57 min 32 s
